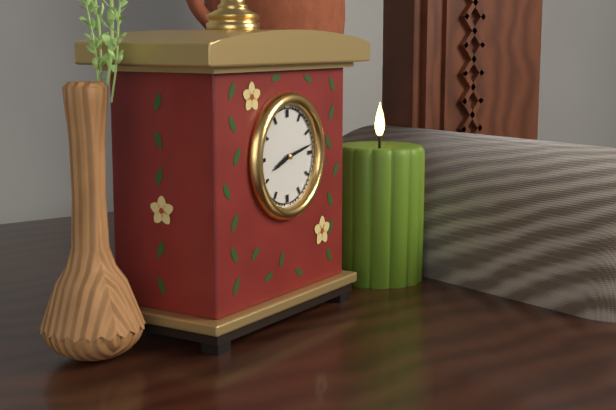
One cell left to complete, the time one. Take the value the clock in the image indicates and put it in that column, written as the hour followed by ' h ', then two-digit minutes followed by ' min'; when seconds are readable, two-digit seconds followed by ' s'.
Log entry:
8 h 13 min
